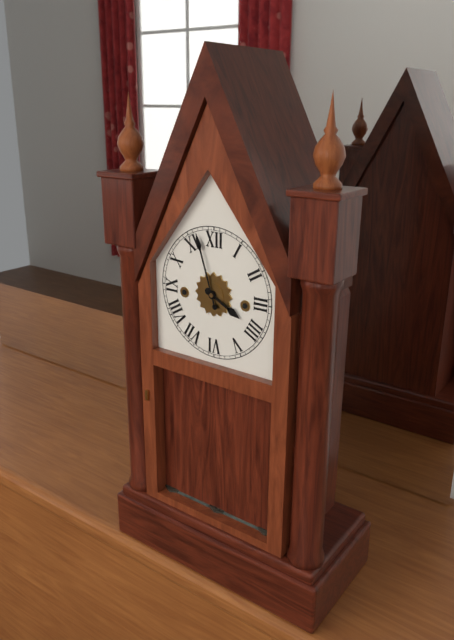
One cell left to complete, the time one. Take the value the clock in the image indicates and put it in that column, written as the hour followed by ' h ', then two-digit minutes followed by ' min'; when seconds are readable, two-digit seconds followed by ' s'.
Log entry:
3 h 57 min
